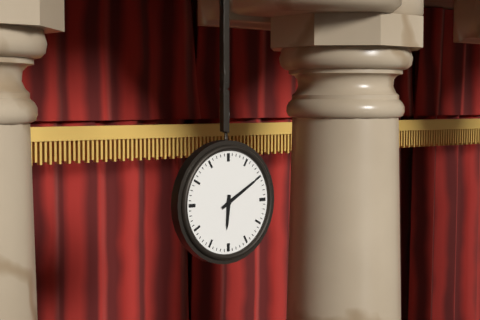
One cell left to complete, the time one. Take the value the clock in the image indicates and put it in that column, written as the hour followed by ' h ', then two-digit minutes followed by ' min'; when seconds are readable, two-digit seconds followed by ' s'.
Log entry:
6 h 10 min
